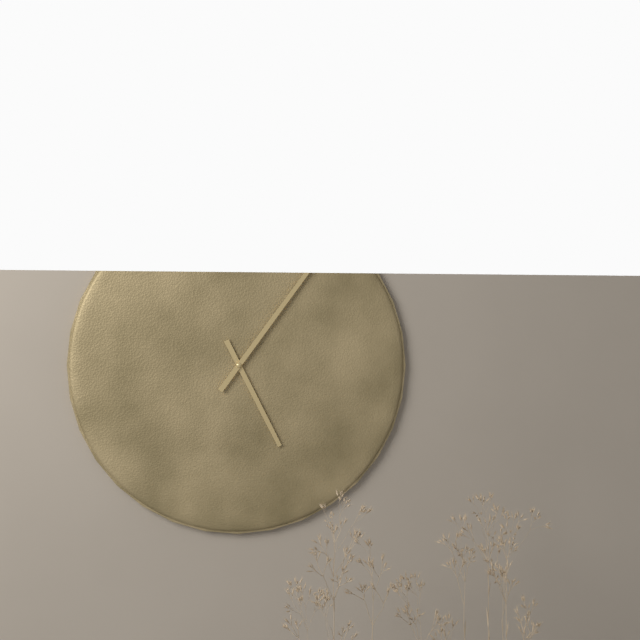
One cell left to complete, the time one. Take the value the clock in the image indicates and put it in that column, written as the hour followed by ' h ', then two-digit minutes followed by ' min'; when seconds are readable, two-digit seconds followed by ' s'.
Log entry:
5 h 06 min
